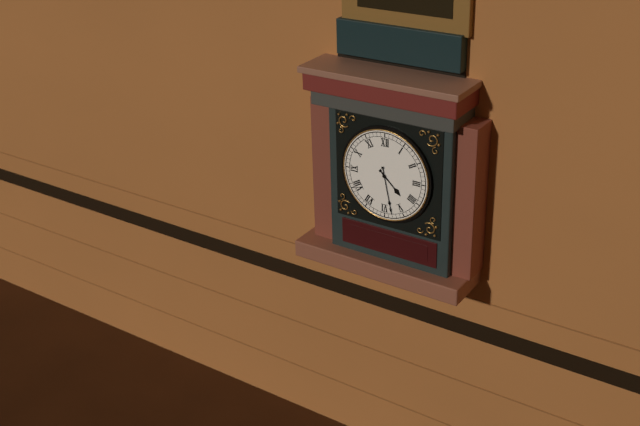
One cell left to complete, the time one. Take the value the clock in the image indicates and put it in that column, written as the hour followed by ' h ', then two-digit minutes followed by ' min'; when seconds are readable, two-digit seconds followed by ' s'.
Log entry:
4 h 28 min
